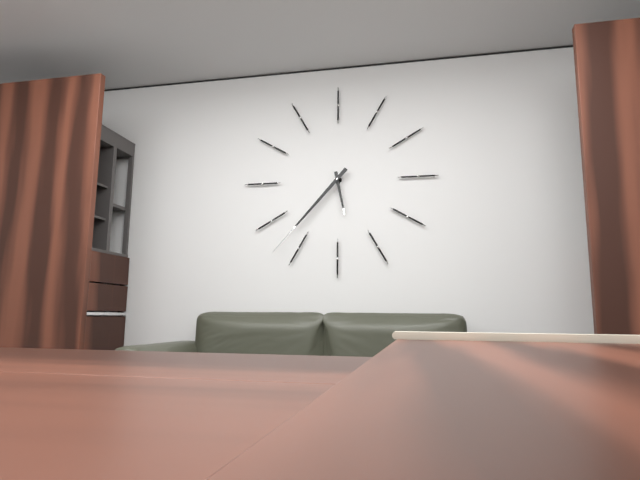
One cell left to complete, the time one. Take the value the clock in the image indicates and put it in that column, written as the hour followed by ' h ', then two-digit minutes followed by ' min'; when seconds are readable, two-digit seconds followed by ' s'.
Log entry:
5 h 37 min
